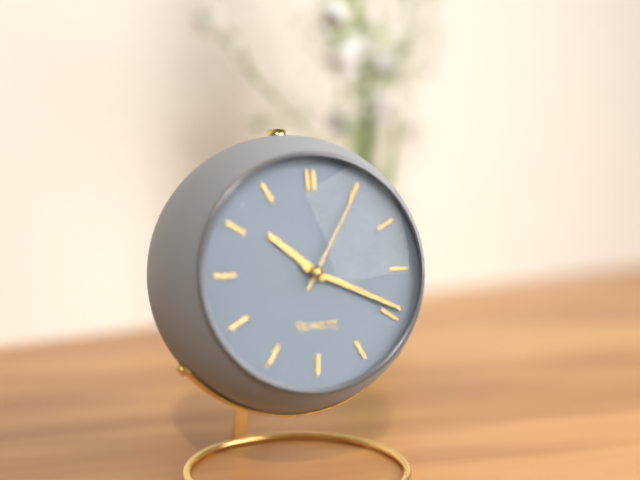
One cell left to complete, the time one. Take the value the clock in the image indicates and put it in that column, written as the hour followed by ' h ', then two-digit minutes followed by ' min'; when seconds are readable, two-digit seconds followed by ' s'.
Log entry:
10 h 19 min 05 s
